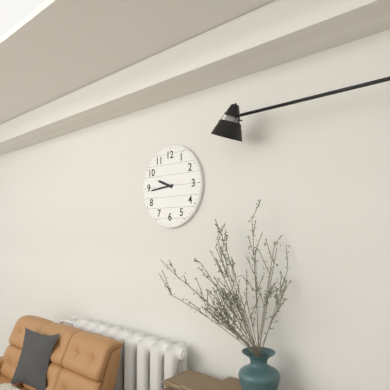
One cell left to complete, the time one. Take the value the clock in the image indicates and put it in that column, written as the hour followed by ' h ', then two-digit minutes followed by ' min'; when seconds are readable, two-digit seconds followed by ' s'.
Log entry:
9 h 44 min
